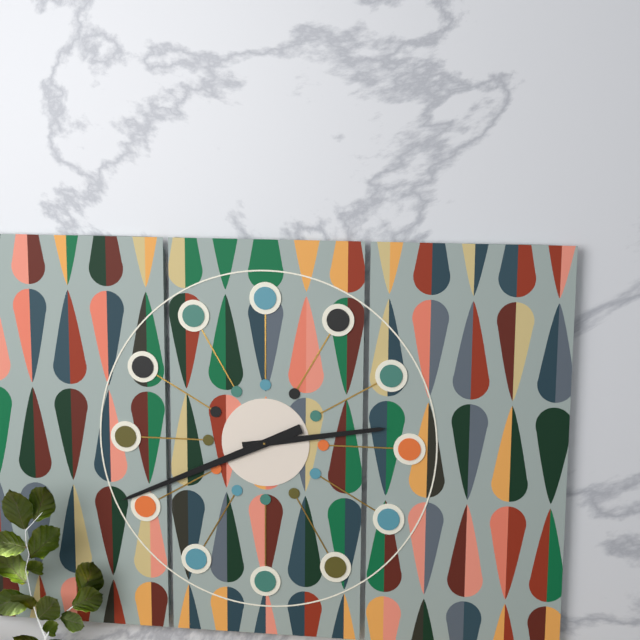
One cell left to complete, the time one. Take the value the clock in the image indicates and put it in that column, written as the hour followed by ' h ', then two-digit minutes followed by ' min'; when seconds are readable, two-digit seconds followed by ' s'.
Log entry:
2 h 41 min
